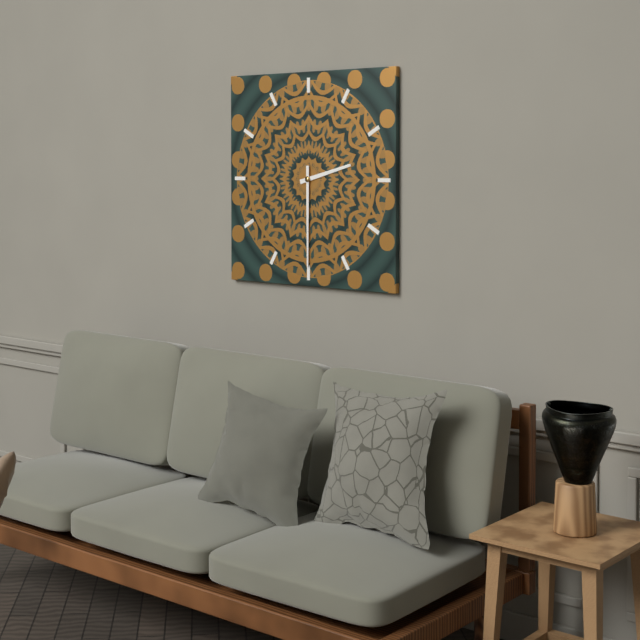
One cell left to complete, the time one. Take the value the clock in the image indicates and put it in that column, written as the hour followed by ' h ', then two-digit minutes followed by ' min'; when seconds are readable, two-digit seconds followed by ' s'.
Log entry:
2 h 30 min
